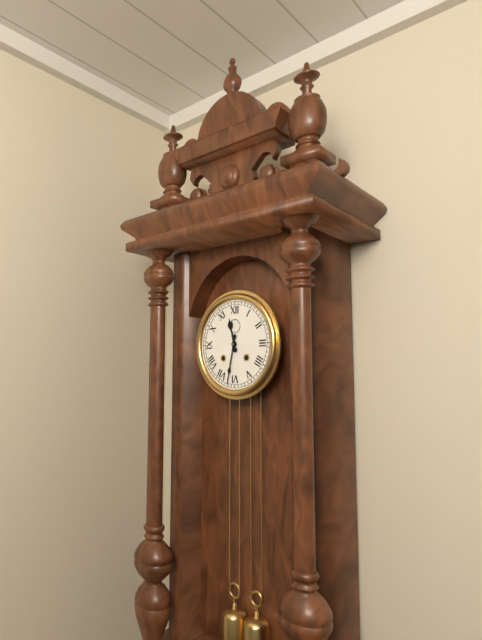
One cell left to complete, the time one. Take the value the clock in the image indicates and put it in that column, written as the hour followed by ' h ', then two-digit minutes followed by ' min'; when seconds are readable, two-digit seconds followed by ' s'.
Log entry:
11 h 32 min
